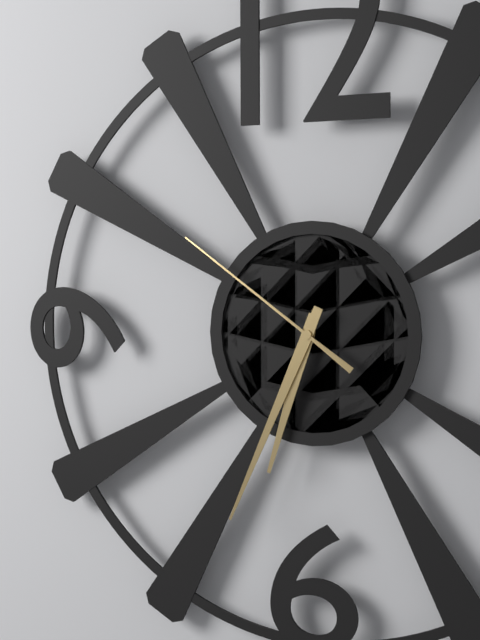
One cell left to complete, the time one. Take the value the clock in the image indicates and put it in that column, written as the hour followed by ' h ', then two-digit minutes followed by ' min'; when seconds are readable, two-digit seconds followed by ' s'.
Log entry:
6 h 34 min 51 s
